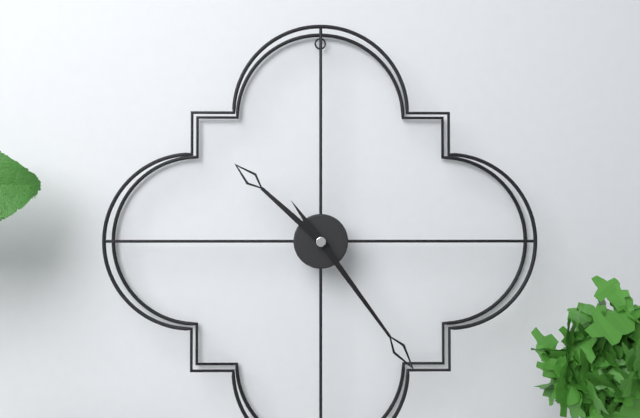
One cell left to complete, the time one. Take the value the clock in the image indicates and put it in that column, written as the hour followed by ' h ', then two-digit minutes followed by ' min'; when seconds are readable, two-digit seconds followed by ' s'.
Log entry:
10 h 24 min
